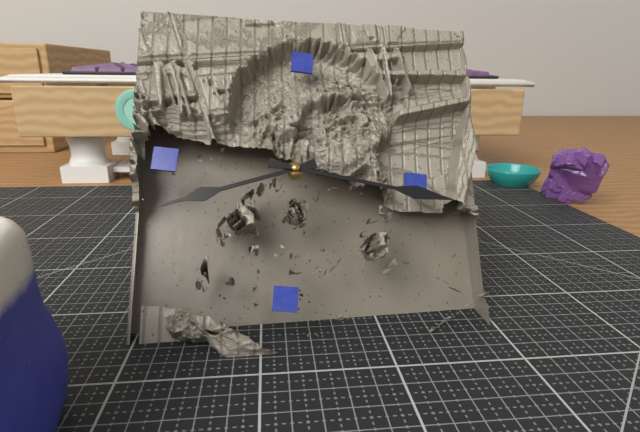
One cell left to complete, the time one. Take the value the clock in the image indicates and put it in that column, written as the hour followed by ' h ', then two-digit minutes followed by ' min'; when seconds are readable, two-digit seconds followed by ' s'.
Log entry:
8 h 16 min
